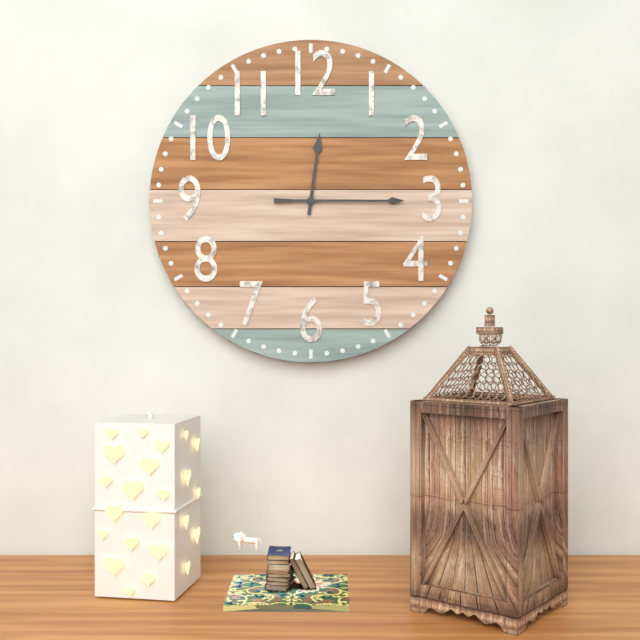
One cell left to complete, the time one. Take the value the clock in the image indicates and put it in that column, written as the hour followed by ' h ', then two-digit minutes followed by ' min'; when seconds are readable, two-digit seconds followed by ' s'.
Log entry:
12 h 15 min
